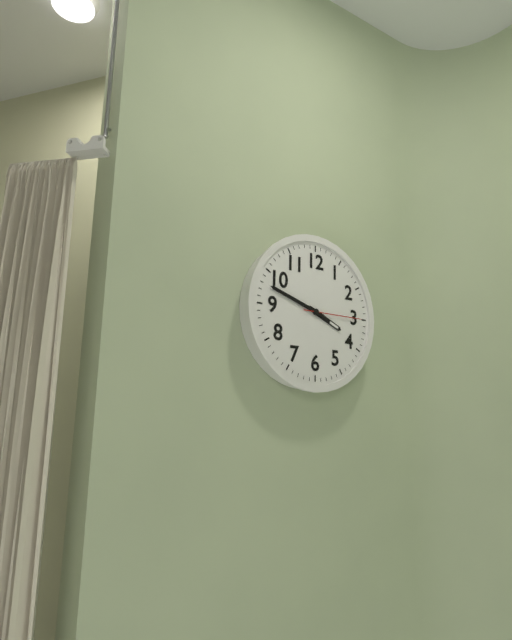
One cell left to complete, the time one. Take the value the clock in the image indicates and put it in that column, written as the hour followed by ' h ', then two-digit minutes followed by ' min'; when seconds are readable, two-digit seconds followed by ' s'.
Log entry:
3 h 48 min 15 s
